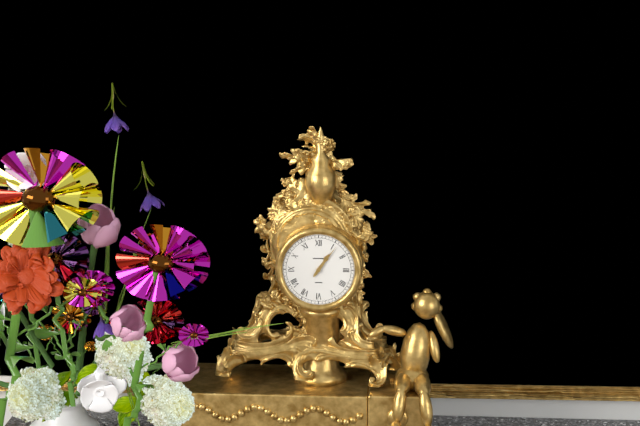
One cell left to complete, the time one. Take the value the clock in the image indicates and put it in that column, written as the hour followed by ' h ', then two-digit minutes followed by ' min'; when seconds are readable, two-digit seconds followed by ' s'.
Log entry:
1 h 06 min
